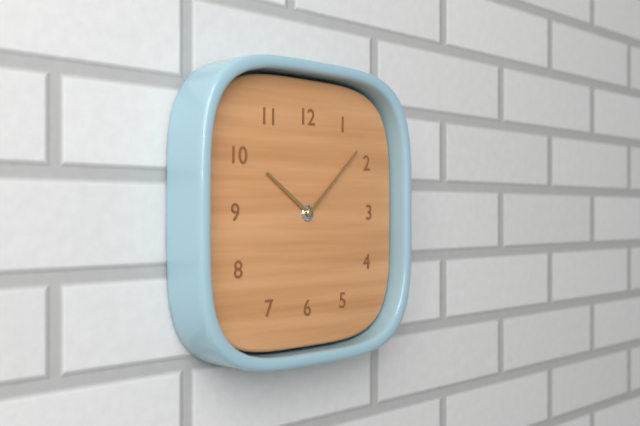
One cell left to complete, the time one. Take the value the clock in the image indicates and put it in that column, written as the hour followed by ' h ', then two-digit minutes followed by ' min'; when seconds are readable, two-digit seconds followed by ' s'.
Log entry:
10 h 08 min
